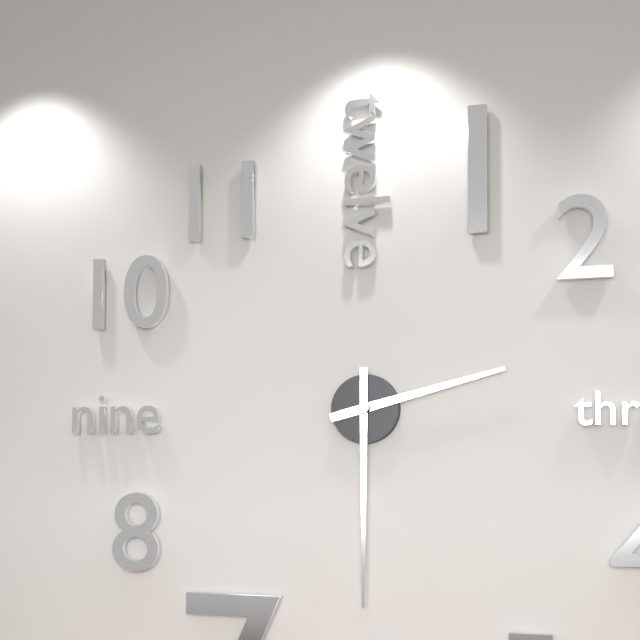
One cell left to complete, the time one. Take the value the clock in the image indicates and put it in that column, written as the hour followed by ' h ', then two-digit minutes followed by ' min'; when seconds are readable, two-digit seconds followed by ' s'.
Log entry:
2 h 30 min
